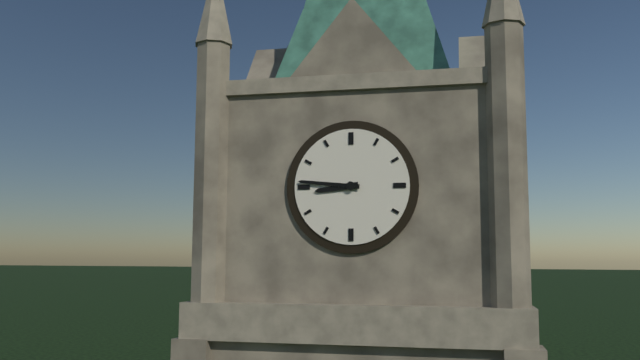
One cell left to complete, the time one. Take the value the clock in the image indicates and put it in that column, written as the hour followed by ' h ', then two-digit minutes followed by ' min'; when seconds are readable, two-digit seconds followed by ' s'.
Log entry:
8 h 46 min
